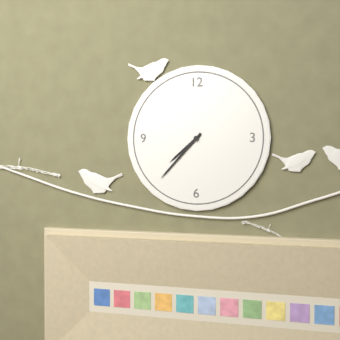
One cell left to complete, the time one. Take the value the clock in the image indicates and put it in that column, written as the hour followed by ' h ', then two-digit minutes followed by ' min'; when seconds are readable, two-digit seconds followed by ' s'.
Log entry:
7 h 37 min
